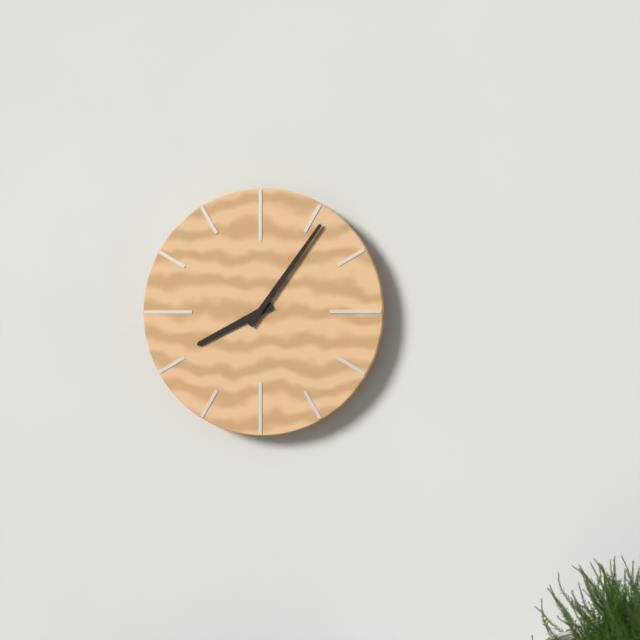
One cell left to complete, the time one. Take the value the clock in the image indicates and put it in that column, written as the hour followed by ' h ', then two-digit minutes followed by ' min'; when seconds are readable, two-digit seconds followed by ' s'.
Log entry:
8 h 06 min
